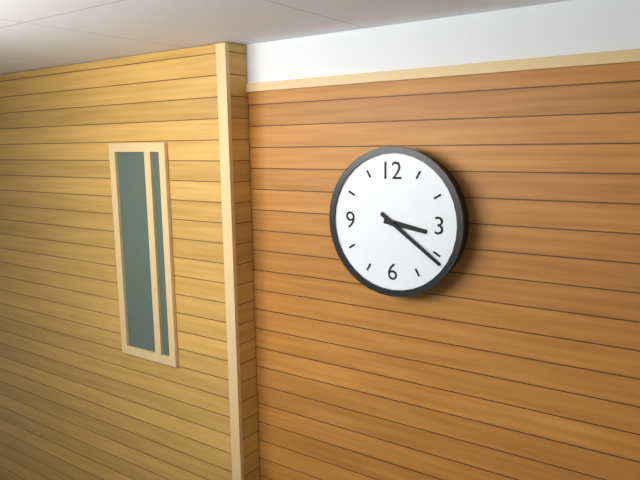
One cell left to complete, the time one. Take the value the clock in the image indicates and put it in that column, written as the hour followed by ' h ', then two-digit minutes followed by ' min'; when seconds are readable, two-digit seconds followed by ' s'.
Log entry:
3 h 21 min
